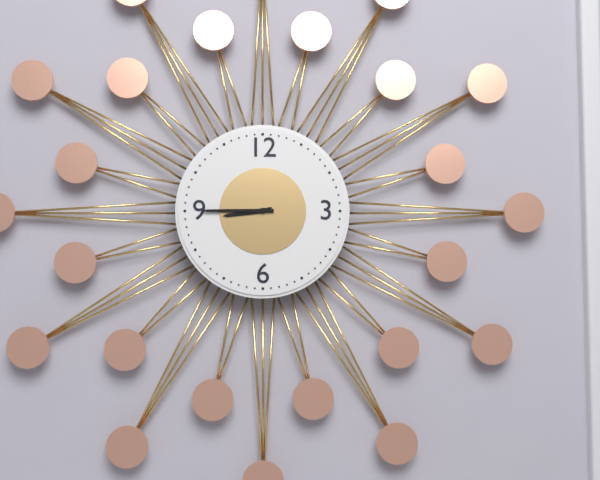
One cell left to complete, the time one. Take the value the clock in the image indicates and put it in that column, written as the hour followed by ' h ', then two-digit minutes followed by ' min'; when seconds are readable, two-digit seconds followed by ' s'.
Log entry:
8 h 45 min
